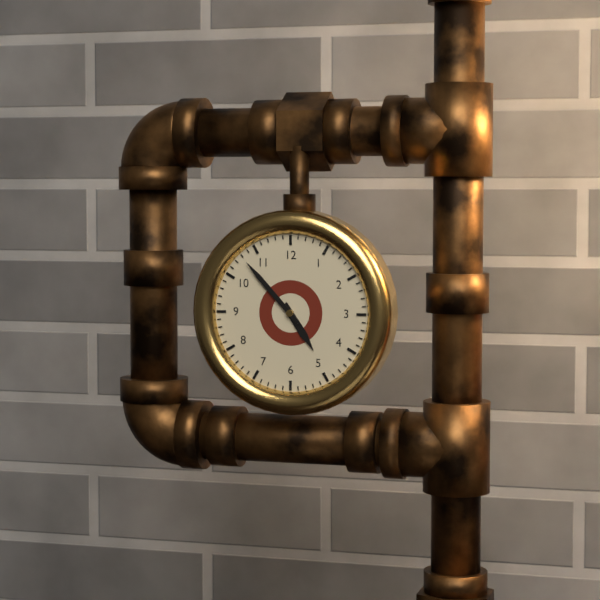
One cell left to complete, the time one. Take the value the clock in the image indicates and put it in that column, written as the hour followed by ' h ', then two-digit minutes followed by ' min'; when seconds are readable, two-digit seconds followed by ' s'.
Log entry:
4 h 53 min
